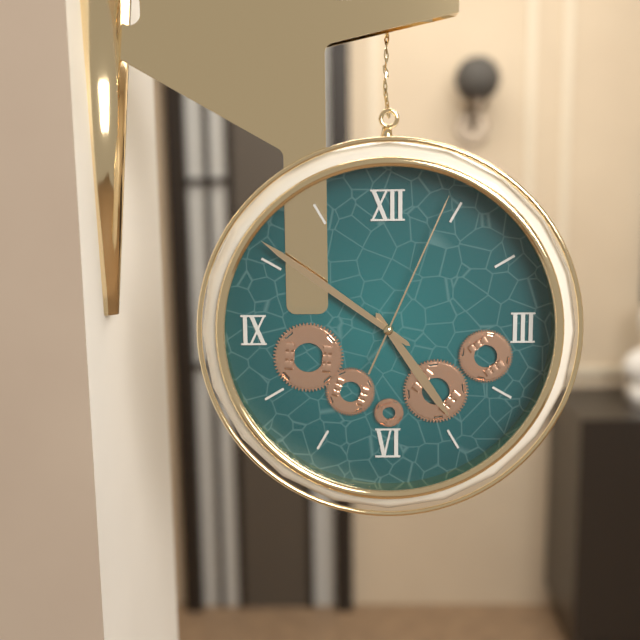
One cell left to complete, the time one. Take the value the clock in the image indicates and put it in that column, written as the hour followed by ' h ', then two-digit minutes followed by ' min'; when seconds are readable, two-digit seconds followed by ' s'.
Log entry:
4 h 51 min 04 s
